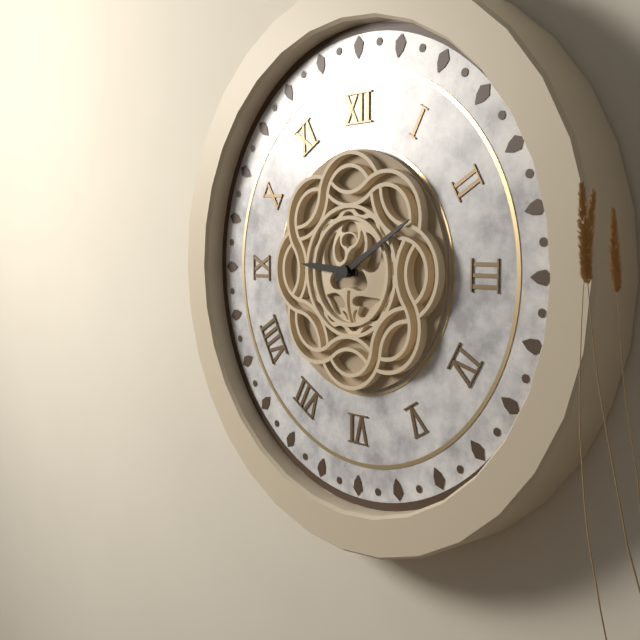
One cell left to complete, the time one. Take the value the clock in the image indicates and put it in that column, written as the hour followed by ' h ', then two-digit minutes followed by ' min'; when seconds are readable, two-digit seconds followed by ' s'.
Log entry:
9 h 10 min
